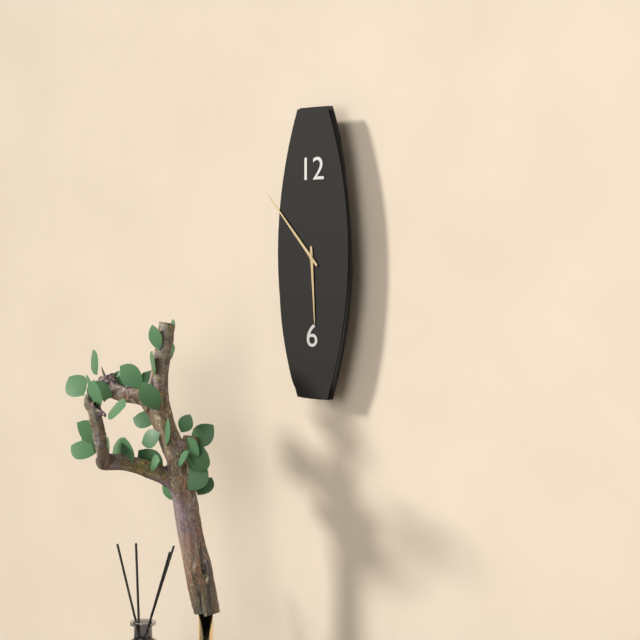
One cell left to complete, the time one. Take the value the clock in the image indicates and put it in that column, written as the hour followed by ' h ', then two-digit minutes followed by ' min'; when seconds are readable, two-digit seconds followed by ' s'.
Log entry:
5 h 53 min
